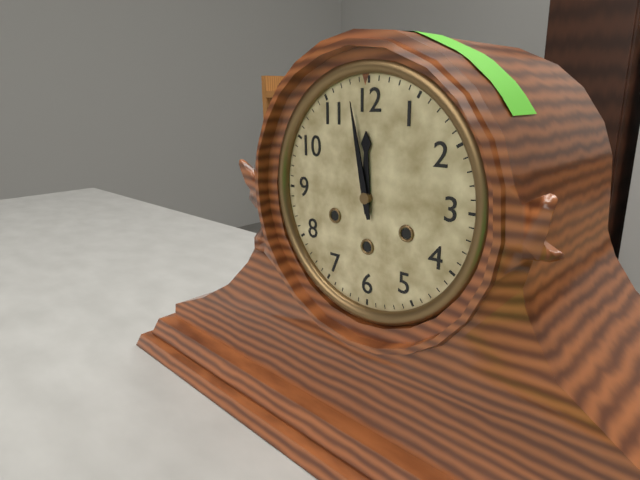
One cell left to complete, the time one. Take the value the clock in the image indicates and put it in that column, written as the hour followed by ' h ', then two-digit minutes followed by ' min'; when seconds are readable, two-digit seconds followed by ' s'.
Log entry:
11 h 58 min
